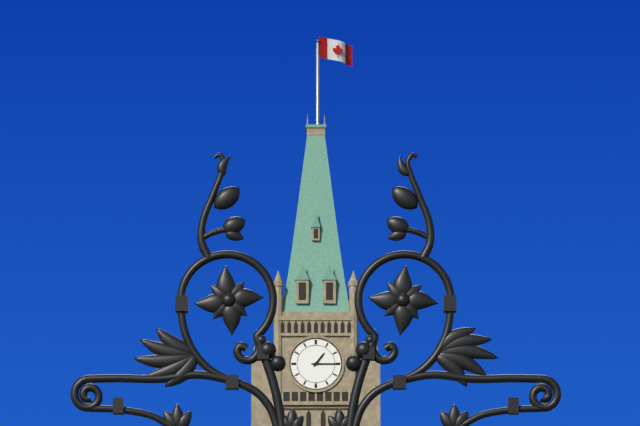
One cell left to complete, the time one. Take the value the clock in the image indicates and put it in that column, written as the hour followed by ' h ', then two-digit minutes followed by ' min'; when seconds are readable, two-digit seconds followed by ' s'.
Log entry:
1 h 15 min
